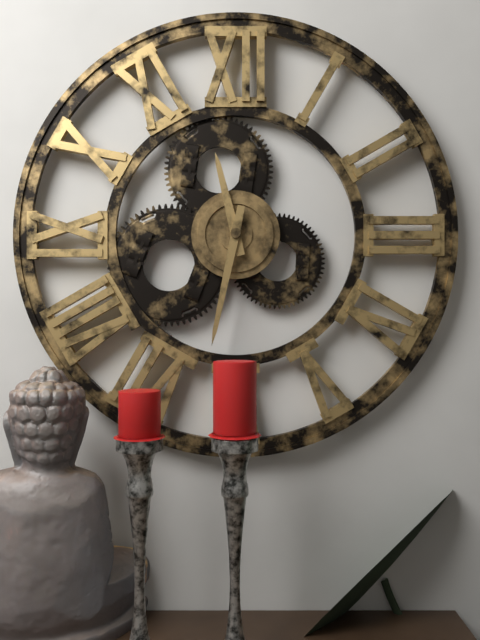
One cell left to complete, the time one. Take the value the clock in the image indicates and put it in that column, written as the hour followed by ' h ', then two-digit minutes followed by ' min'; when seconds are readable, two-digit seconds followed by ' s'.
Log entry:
11 h 32 min
